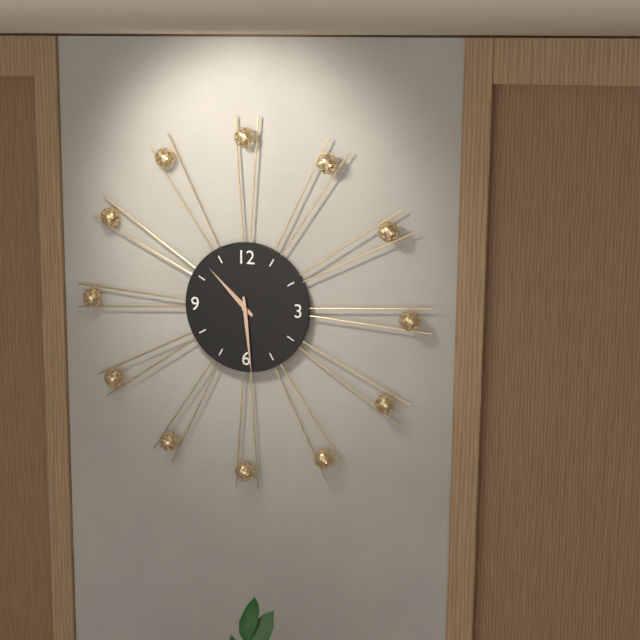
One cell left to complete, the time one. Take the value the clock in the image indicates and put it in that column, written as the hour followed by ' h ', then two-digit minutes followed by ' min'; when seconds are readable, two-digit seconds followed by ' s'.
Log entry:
10 h 29 min
